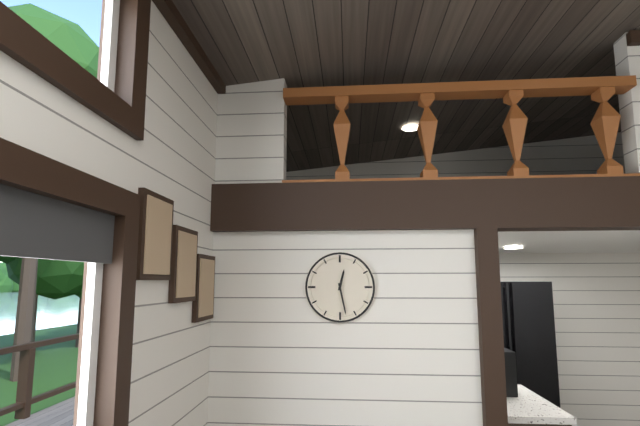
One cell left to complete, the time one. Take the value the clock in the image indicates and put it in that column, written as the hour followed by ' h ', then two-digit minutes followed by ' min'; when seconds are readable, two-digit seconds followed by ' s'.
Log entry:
12 h 28 min
